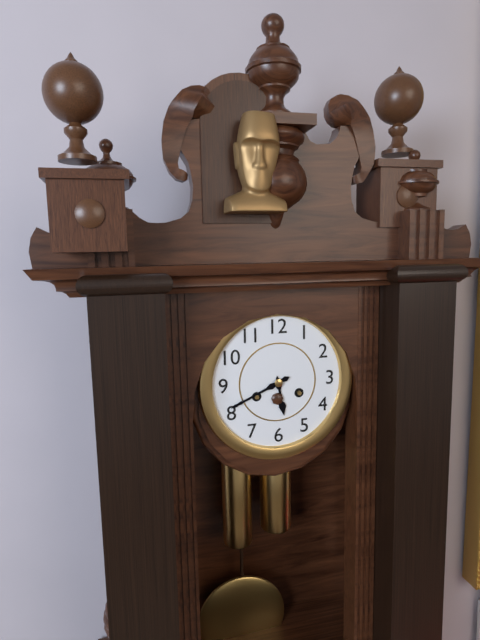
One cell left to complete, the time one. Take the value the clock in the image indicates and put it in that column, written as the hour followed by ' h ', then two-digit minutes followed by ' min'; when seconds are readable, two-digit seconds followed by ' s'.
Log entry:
5 h 41 min
